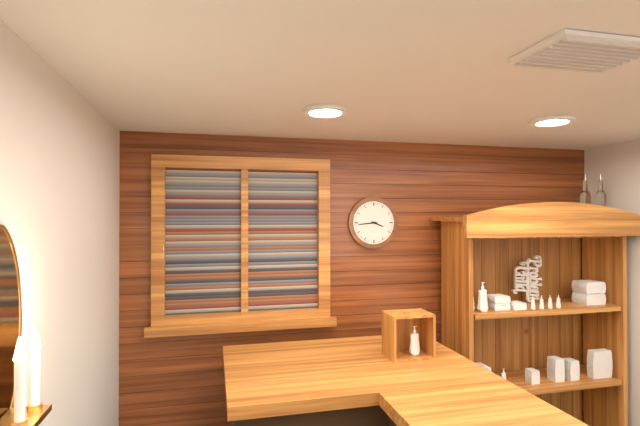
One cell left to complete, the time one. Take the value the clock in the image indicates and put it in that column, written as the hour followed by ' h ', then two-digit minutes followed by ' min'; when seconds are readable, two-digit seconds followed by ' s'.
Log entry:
3 h 44 min
